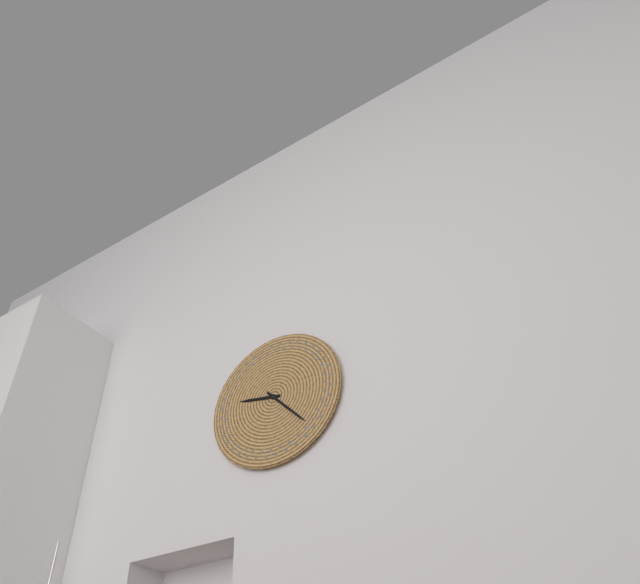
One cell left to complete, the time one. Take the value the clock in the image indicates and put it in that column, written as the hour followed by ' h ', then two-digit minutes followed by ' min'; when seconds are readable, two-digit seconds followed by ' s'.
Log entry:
9 h 23 min
